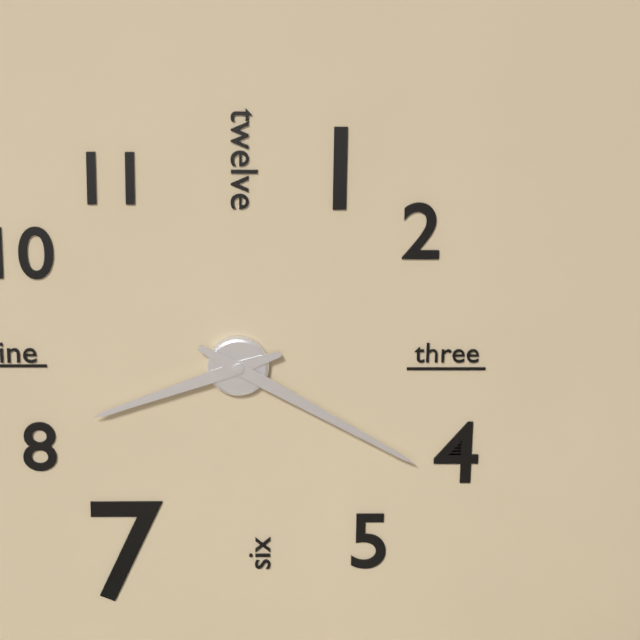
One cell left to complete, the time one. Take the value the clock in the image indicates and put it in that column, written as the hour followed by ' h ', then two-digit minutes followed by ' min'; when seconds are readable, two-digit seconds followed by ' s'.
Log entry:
8 h 20 min
